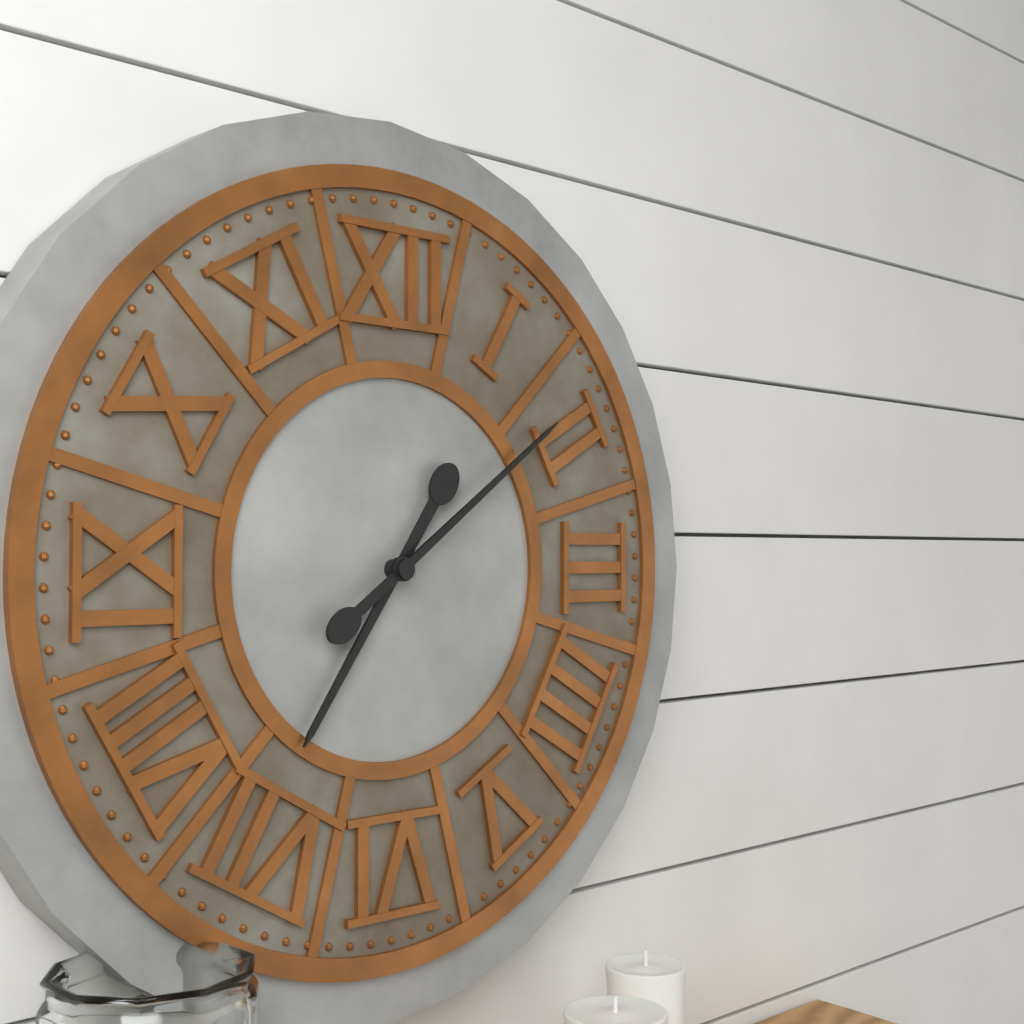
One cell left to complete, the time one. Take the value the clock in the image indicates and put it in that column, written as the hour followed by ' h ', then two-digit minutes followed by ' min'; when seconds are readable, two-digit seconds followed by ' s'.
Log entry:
7 h 09 min
